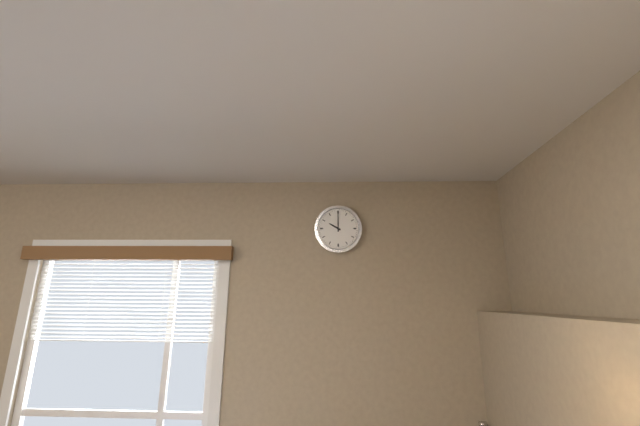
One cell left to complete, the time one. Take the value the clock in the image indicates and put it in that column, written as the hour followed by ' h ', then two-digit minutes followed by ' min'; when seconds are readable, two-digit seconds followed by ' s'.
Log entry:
10 h 00 min
